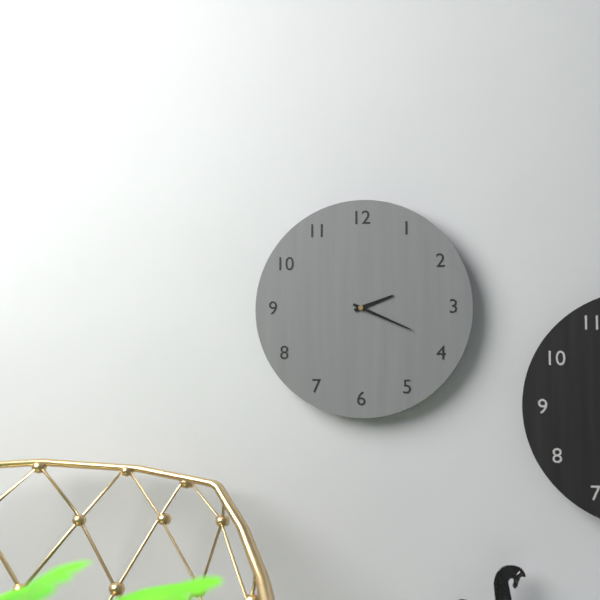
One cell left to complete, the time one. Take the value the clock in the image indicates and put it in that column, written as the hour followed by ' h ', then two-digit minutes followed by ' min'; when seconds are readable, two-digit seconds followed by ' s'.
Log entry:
2 h 19 min
